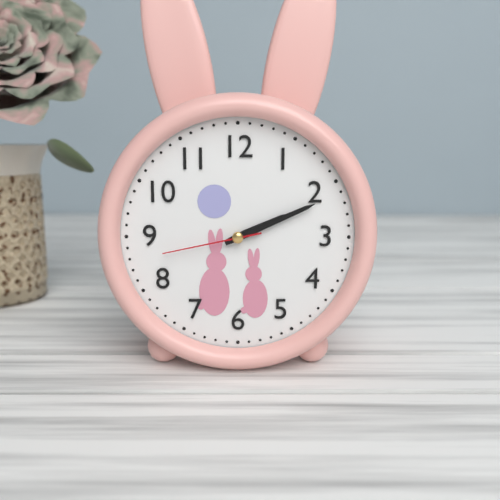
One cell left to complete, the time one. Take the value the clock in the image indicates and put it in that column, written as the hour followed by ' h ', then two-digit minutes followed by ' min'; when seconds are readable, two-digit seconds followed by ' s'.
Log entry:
2 h 11 min 43 s
